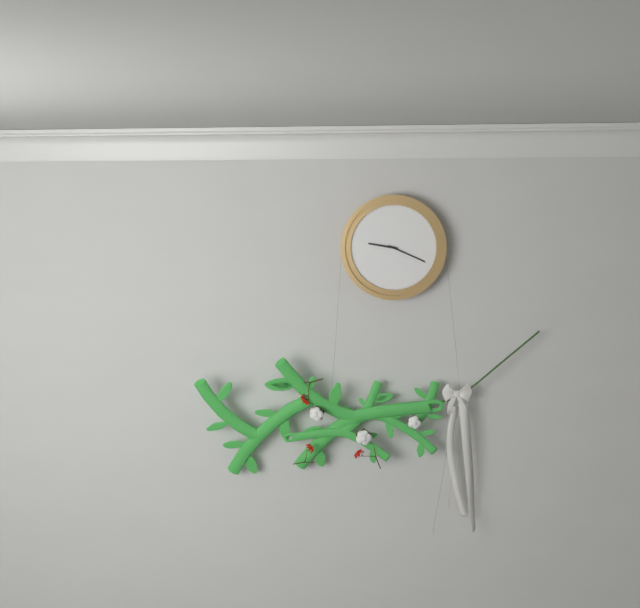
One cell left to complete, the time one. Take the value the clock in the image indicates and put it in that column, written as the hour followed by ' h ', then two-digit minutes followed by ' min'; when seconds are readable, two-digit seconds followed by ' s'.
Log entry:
9 h 19 min
